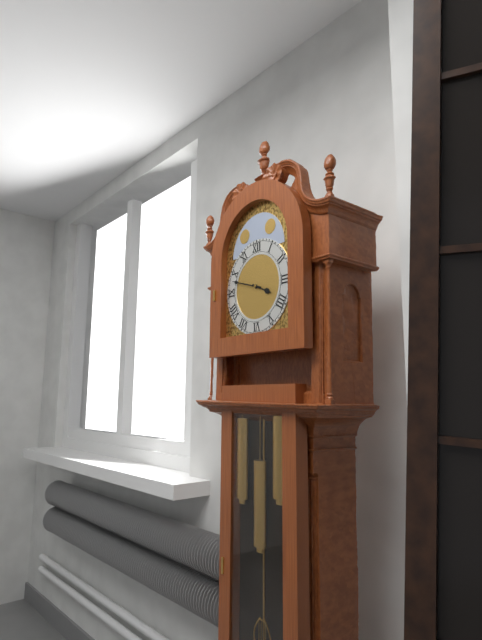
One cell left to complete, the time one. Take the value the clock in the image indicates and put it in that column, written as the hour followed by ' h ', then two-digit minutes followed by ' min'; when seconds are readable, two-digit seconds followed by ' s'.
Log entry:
3 h 48 min
